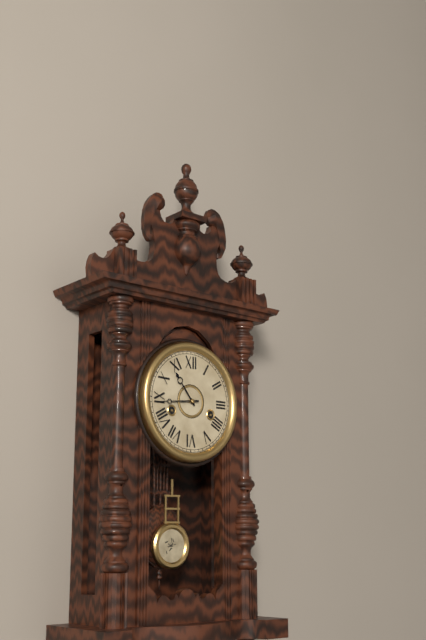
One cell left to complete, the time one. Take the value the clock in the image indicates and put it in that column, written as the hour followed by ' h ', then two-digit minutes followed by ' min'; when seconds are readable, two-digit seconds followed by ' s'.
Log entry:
10 h 44 min
